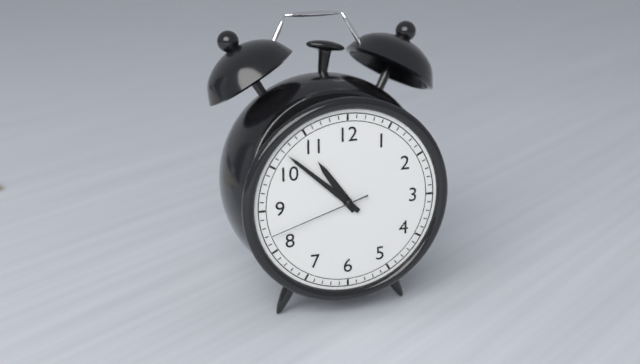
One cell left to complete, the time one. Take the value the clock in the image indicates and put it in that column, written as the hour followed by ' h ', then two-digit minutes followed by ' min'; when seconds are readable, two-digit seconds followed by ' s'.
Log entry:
10 h 52 min 42 s
